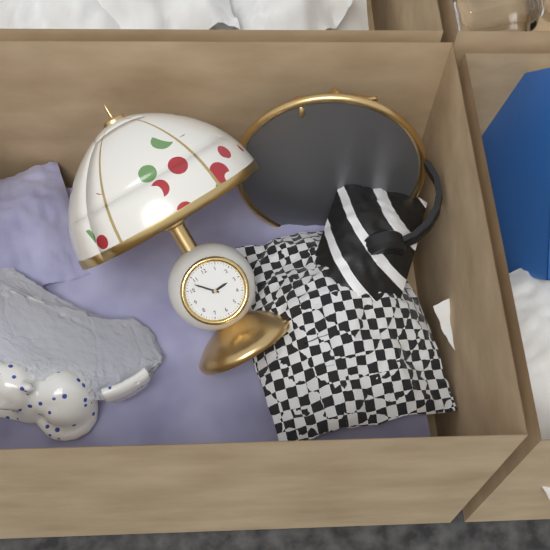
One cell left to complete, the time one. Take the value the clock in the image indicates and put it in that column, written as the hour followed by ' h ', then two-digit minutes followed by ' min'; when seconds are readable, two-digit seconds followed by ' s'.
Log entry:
2 h 53 min
